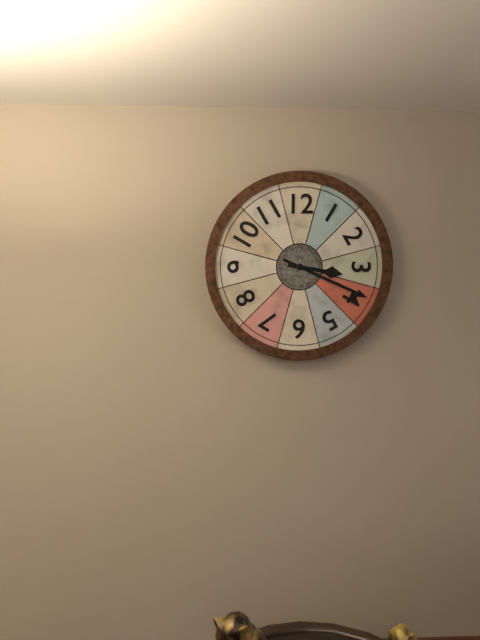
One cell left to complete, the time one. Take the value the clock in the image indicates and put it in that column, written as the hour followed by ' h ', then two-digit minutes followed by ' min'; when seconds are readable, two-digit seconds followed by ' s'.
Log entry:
3 h 19 min
